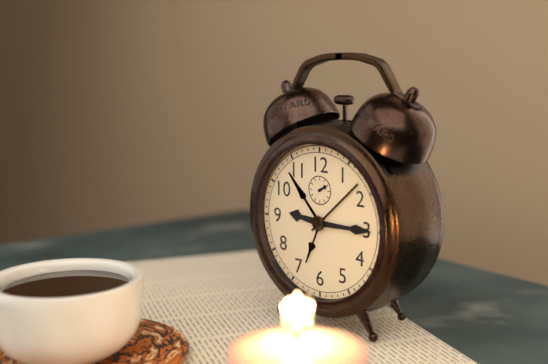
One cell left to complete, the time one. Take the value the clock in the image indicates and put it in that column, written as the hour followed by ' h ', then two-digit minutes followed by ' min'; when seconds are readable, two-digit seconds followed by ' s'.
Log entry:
9 h 15 min
